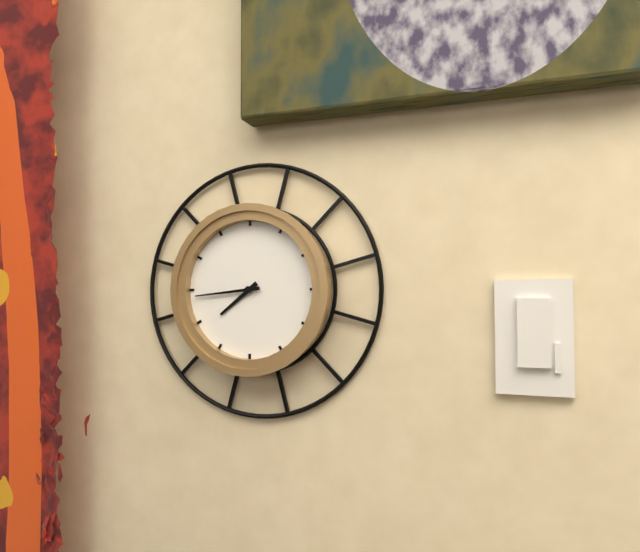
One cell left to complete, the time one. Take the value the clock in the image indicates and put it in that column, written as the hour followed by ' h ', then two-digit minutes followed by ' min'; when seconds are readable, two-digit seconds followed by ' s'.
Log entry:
7 h 44 min
